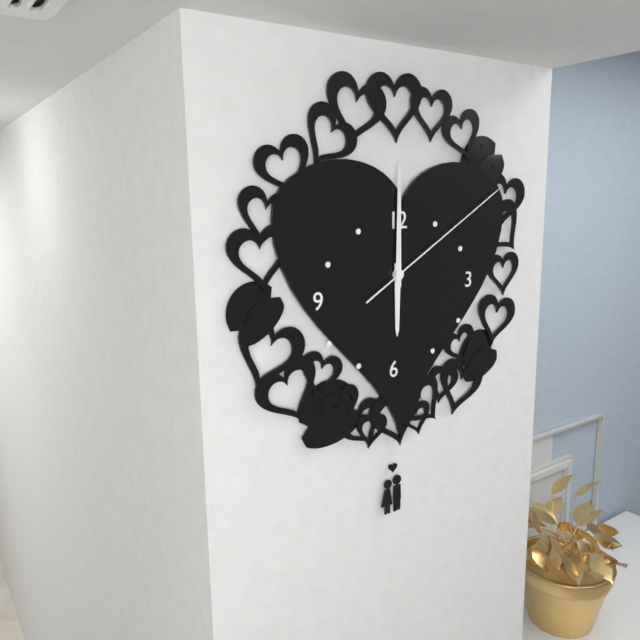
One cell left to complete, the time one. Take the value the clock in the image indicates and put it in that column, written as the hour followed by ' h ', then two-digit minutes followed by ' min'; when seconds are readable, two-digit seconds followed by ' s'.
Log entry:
6 h 00 min 10 s
